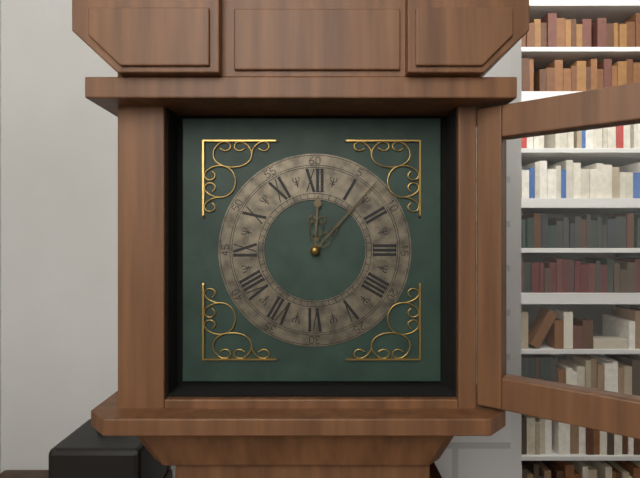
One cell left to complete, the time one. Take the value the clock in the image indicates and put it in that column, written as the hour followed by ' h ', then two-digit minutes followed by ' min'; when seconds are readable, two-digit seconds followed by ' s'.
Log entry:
12 h 07 min
